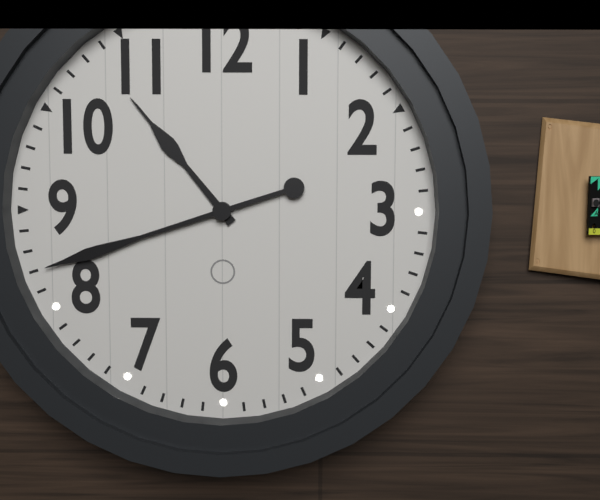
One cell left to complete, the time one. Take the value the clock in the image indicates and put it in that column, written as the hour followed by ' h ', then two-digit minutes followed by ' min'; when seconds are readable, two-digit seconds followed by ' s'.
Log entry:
10 h 42 min
